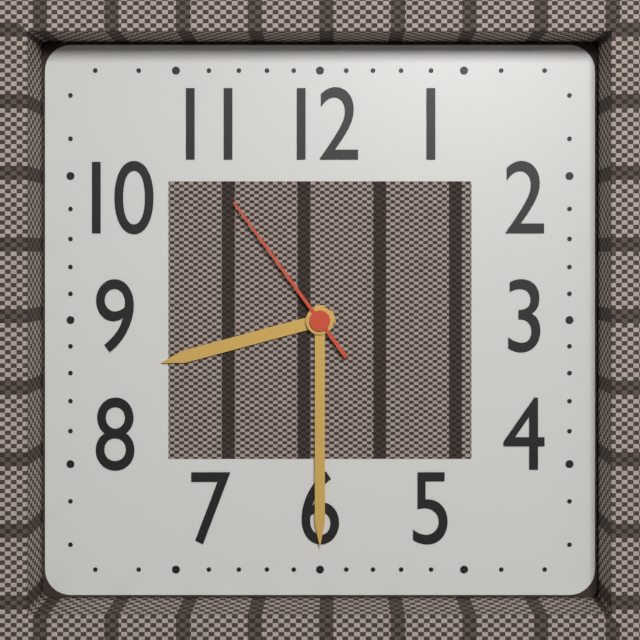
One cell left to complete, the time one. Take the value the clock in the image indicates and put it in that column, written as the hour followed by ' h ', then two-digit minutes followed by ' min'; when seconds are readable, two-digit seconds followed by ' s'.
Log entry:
8 h 30 min 54 s
